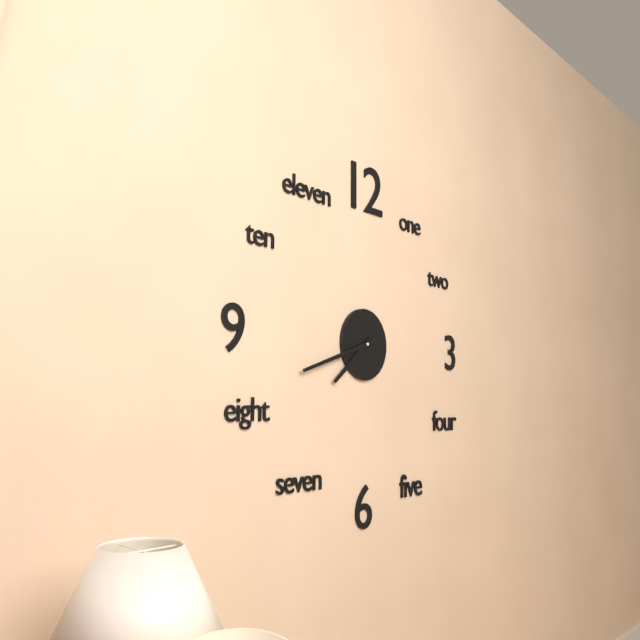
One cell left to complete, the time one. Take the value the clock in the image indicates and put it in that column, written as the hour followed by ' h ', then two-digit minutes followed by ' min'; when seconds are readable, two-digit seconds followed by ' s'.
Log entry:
7 h 42 min
